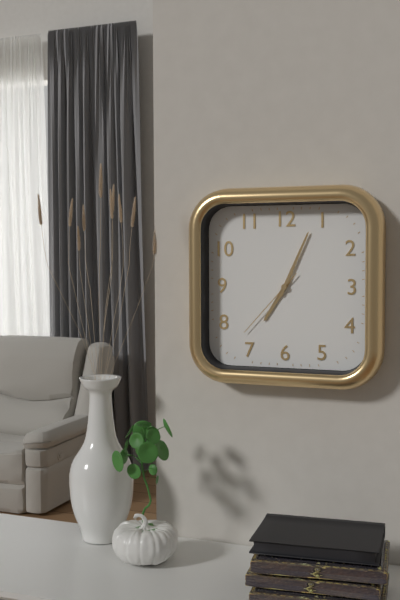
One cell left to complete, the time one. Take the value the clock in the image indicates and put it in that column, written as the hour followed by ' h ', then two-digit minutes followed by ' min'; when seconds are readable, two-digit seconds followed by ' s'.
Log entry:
7 h 04 min 37 s
